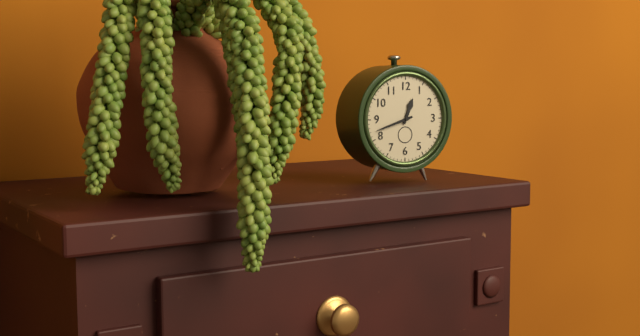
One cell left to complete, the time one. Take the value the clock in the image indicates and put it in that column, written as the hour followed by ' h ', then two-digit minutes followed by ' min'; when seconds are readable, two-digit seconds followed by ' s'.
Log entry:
12 h 42 min
